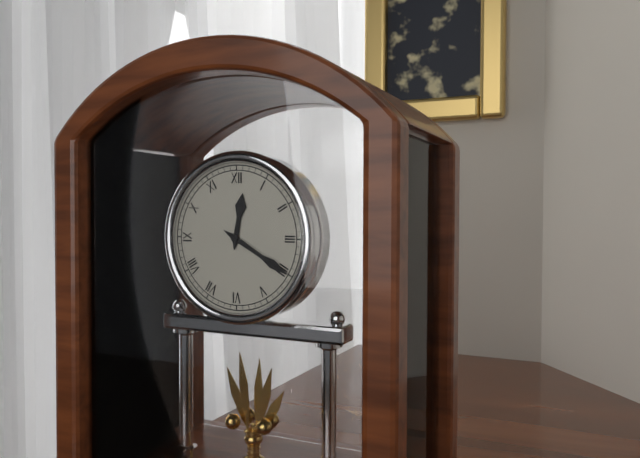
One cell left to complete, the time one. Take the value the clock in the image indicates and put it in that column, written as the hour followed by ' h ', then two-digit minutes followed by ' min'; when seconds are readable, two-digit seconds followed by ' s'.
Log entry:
12 h 20 min
